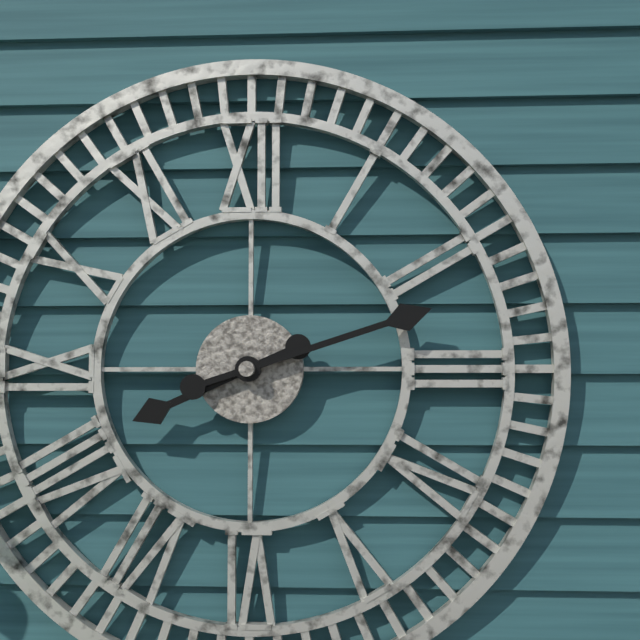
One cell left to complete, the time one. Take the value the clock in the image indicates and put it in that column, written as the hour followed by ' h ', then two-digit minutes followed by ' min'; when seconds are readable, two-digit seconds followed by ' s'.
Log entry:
8 h 12 min
